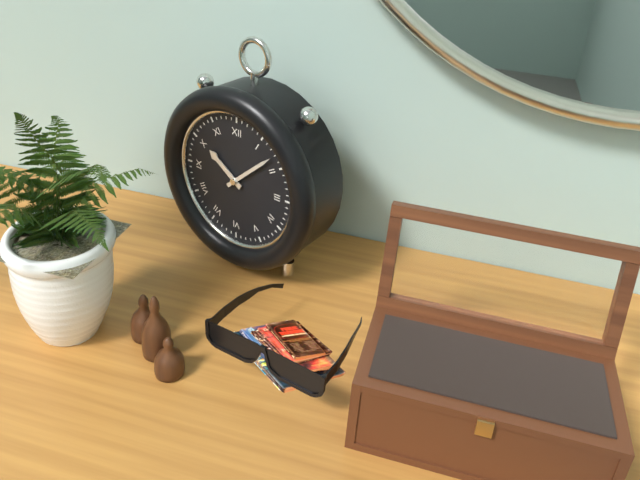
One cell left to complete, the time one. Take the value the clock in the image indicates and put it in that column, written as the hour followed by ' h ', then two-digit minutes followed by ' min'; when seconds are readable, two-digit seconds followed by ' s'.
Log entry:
10 h 08 min
